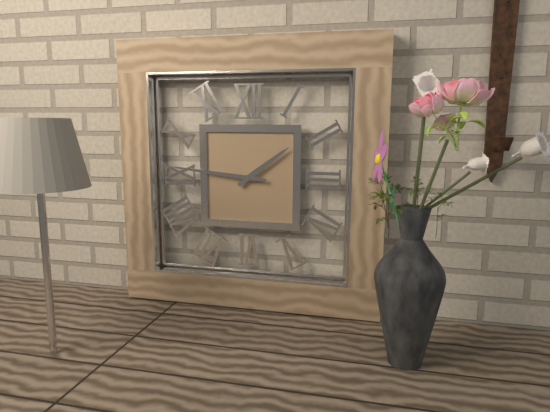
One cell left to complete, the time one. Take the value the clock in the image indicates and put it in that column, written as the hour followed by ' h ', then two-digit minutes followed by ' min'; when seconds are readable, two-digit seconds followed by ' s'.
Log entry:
1 h 46 min
